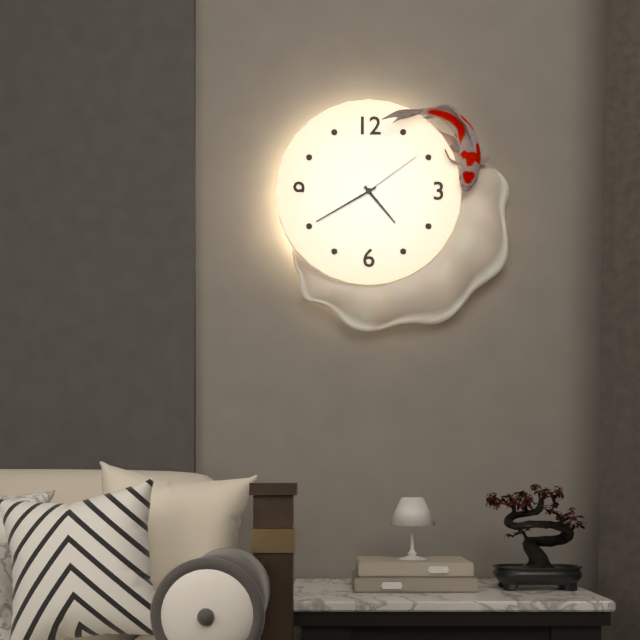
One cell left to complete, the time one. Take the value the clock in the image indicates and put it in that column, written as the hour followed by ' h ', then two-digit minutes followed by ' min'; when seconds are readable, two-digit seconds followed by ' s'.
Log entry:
4 h 40 min 09 s
